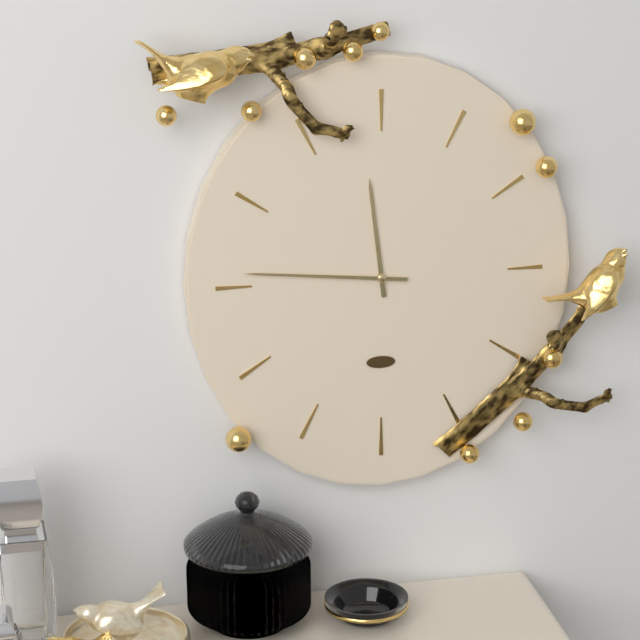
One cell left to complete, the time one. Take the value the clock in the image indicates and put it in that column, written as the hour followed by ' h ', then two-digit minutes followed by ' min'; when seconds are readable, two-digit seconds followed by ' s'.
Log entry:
11 h 46 min
